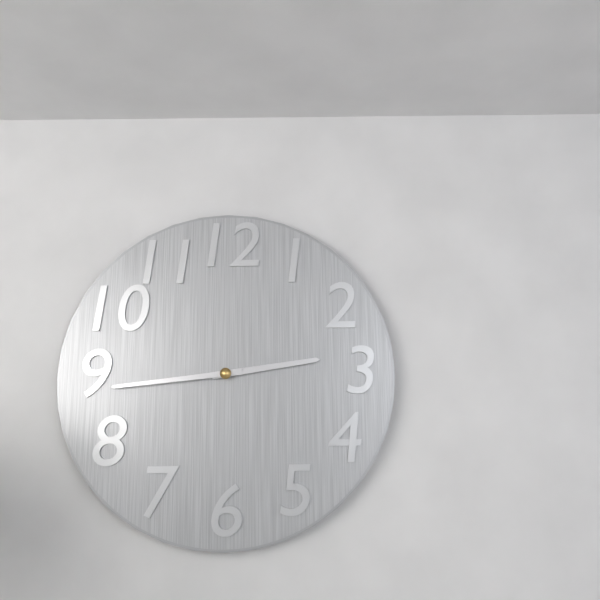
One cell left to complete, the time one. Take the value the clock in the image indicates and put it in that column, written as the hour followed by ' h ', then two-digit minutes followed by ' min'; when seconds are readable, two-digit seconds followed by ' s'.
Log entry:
2 h 44 min
